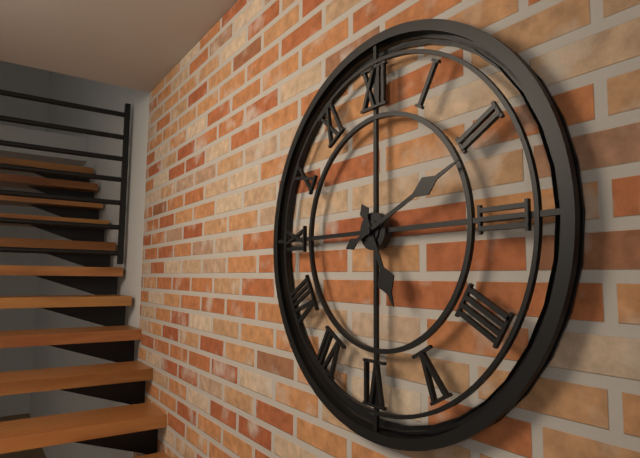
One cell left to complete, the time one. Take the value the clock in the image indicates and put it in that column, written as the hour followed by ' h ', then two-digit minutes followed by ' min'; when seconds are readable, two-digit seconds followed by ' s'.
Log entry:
5 h 11 min
